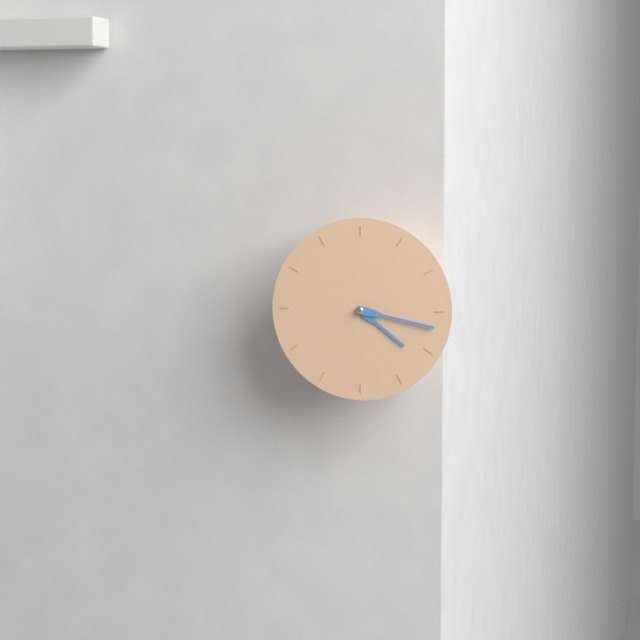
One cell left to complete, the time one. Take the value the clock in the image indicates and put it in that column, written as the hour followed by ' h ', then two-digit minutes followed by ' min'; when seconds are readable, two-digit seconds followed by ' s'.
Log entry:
4 h 17 min
